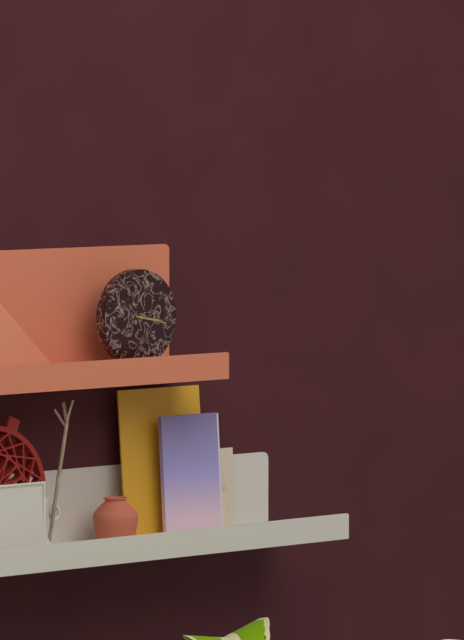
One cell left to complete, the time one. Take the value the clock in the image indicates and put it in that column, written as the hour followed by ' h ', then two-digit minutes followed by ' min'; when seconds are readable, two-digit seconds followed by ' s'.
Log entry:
3 h 17 min
